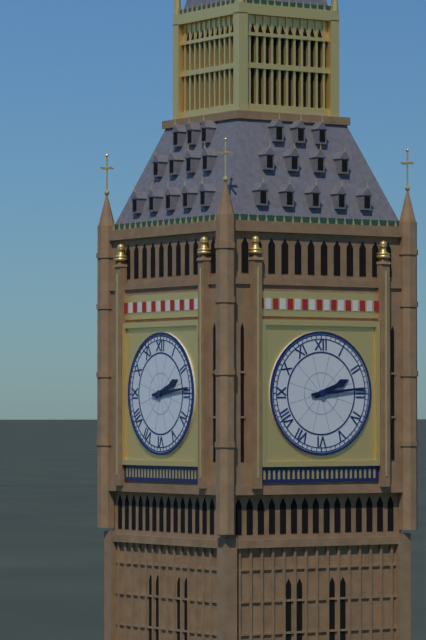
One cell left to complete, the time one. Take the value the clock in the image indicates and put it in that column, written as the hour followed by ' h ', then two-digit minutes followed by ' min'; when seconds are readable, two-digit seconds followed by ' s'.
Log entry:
2 h 14 min
